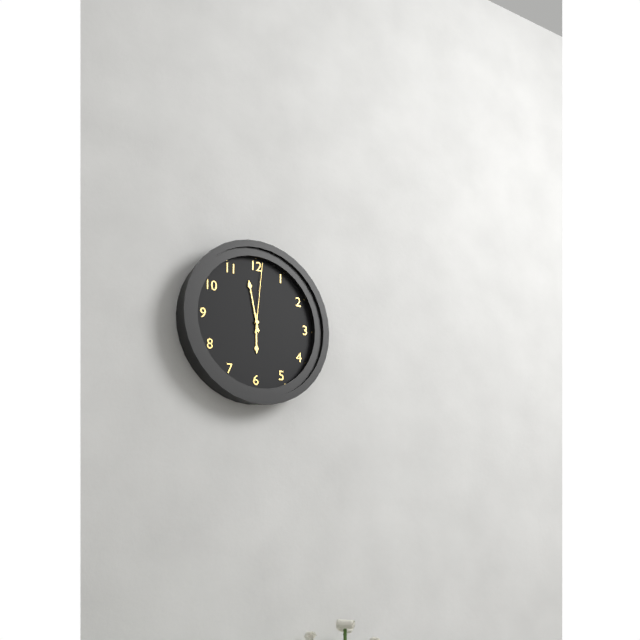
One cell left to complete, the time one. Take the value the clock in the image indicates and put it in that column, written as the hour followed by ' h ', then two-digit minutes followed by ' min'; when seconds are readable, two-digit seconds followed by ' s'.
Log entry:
5 h 58 min 01 s
